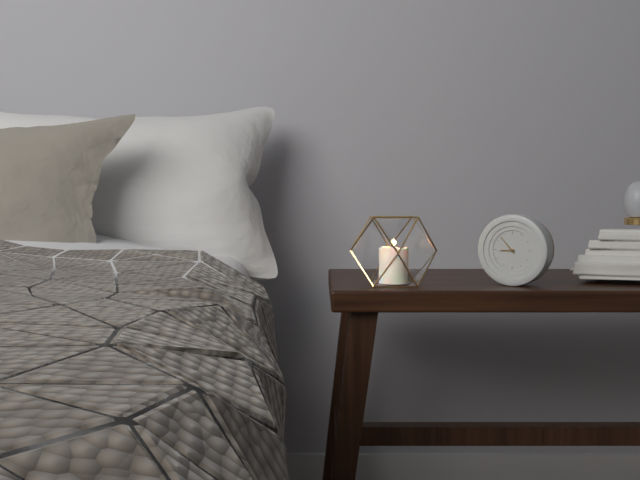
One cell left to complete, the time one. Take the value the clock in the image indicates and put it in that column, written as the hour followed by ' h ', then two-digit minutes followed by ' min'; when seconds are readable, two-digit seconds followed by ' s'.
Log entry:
8 h 53 min
